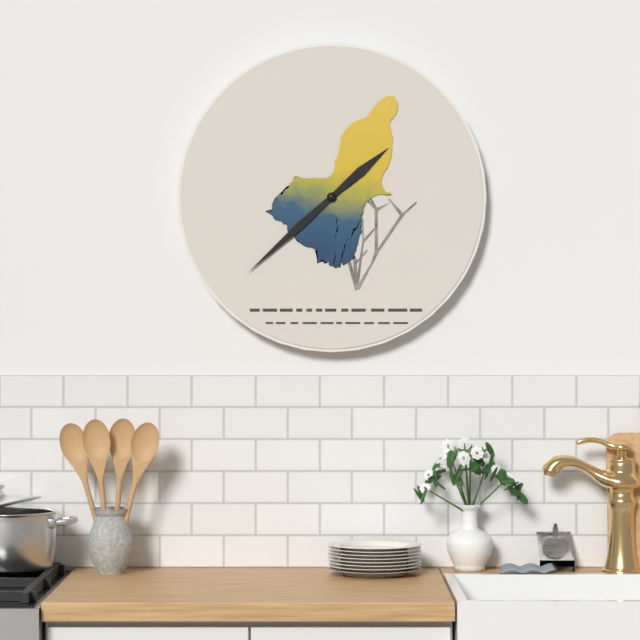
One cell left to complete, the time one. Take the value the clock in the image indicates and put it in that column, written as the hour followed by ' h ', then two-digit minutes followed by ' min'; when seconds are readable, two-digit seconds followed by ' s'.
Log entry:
1 h 38 min
